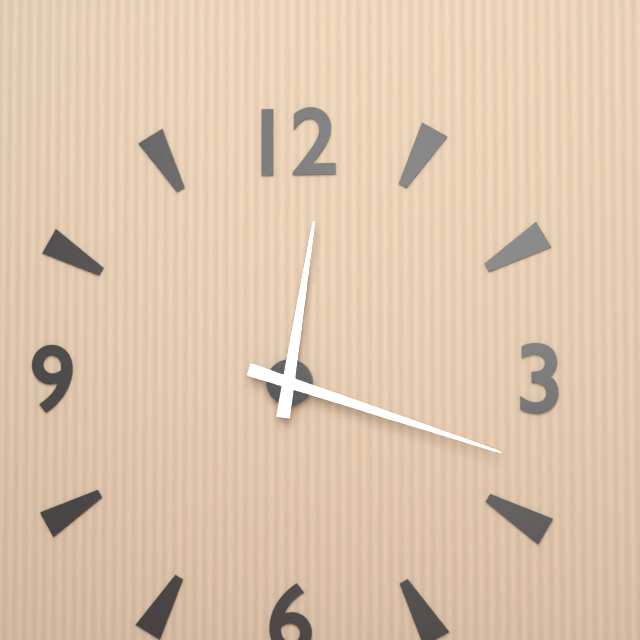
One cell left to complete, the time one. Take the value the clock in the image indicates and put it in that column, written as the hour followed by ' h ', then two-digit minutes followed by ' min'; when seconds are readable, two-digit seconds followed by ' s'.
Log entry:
12 h 18 min
